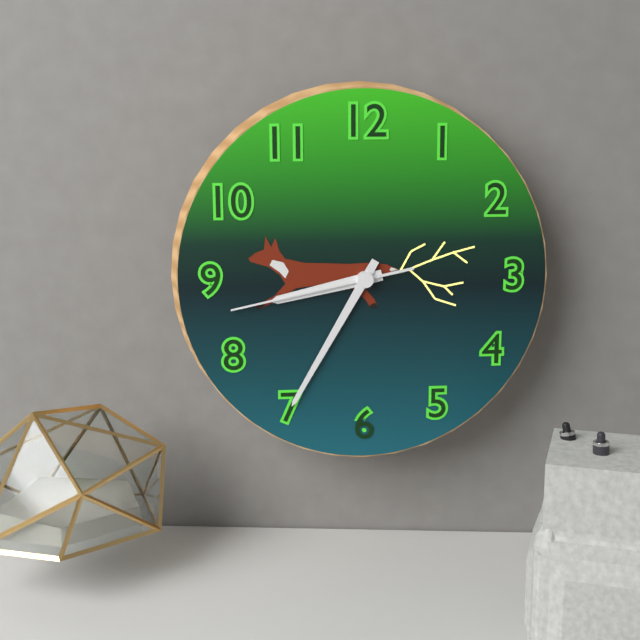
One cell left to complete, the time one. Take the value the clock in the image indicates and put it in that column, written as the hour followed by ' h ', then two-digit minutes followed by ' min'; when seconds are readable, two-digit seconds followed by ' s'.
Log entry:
8 h 35 min 43 s
